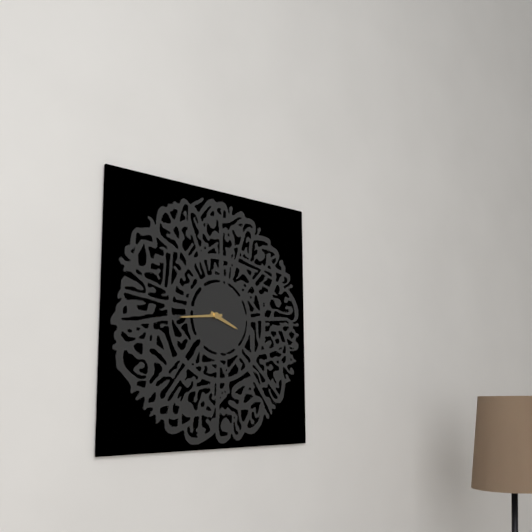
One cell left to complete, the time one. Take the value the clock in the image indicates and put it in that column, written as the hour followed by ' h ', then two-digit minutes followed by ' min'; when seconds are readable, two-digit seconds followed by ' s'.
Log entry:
3 h 44 min
